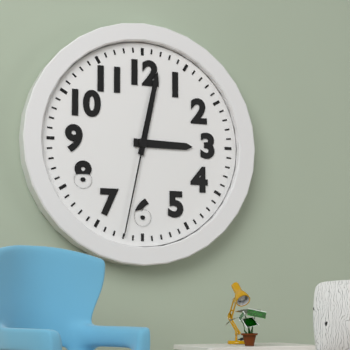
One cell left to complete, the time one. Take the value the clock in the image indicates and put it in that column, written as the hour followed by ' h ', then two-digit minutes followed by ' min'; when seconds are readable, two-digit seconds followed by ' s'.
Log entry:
3 h 02 min 32 s
